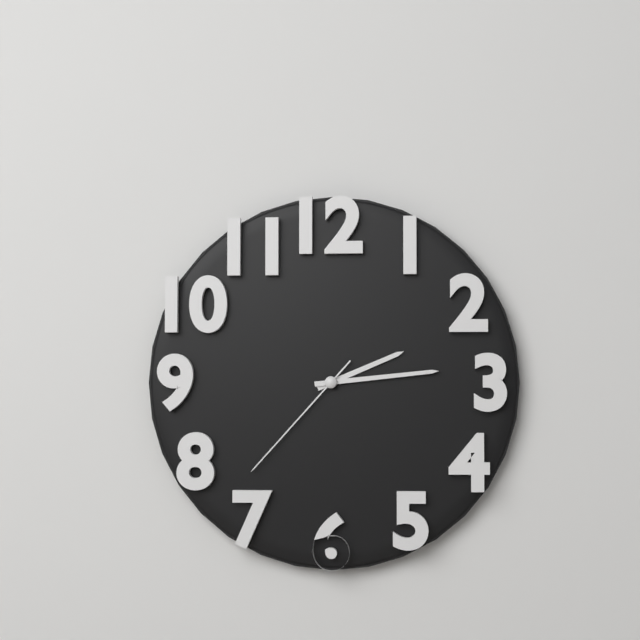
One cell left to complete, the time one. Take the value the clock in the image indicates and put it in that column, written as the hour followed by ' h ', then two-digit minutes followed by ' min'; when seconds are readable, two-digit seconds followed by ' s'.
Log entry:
2 h 14 min 37 s
